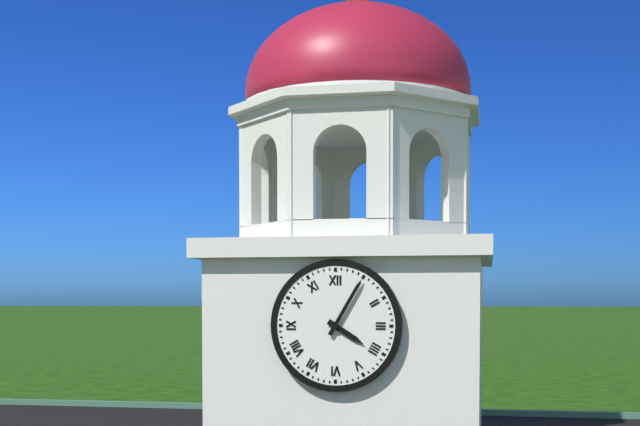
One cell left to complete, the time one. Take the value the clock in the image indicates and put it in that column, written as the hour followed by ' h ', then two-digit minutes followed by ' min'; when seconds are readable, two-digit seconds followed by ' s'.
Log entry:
4 h 05 min
